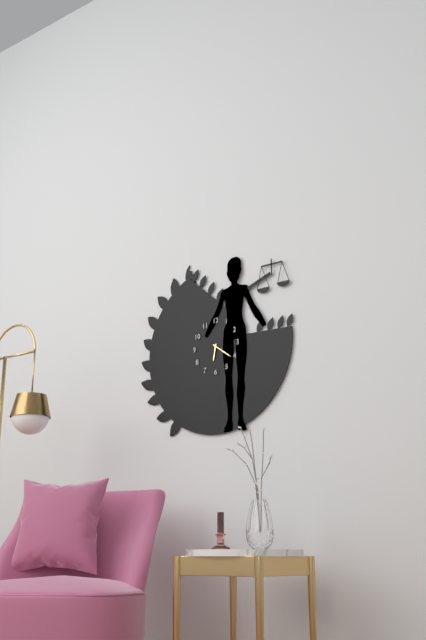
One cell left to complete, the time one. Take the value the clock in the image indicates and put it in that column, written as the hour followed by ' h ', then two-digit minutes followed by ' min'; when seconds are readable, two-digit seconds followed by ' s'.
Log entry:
6 h 21 min
